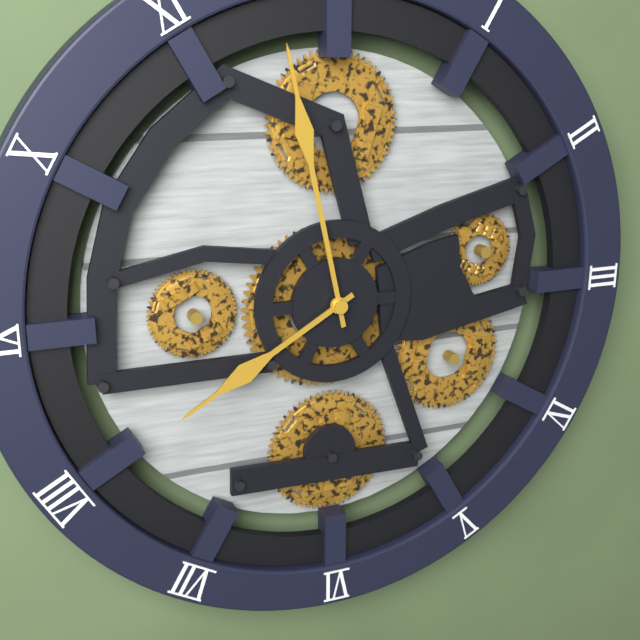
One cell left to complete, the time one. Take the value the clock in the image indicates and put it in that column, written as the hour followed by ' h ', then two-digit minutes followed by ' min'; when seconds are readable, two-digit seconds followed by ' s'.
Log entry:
7 h 58 min
